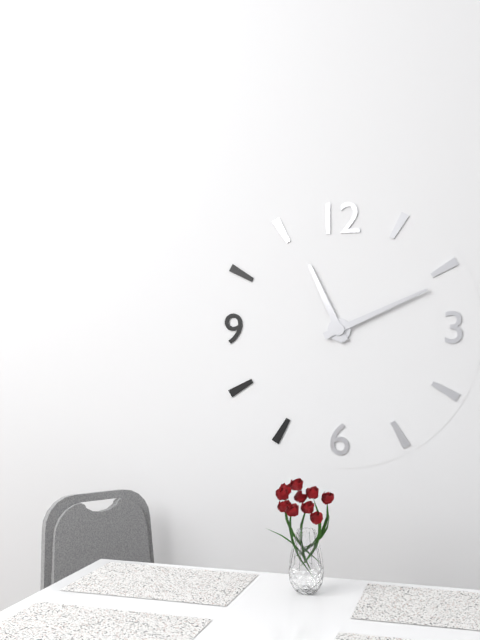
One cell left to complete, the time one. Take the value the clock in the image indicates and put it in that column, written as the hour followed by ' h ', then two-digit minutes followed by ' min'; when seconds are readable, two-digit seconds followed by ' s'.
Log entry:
11 h 11 min
